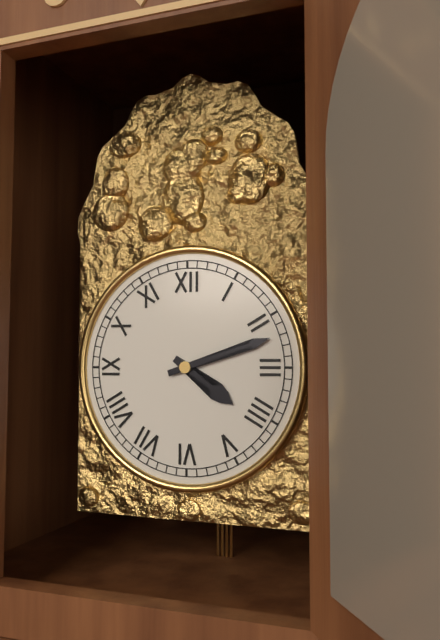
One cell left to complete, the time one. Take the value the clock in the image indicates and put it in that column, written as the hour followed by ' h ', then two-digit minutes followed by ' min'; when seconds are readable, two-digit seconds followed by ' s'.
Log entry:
4 h 12 min
